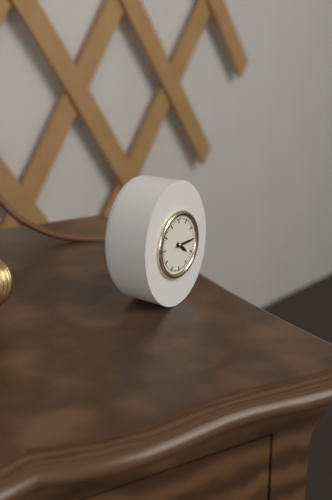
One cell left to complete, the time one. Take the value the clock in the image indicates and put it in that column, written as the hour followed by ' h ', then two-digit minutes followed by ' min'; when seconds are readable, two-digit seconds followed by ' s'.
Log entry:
4 h 15 min
